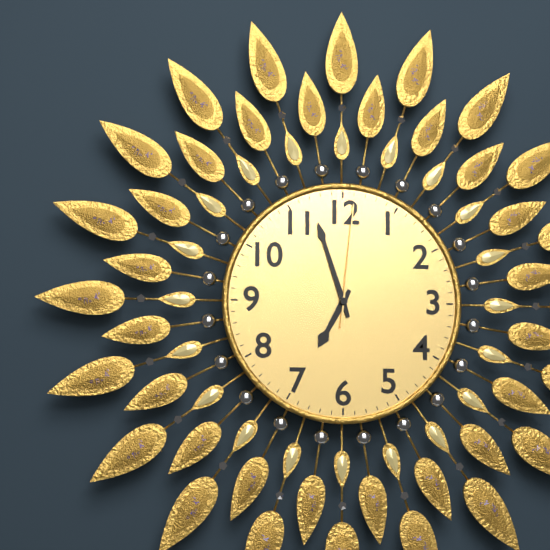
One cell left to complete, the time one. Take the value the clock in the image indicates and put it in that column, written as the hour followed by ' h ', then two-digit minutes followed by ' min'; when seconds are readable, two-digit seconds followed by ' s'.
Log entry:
6 h 57 min 01 s
